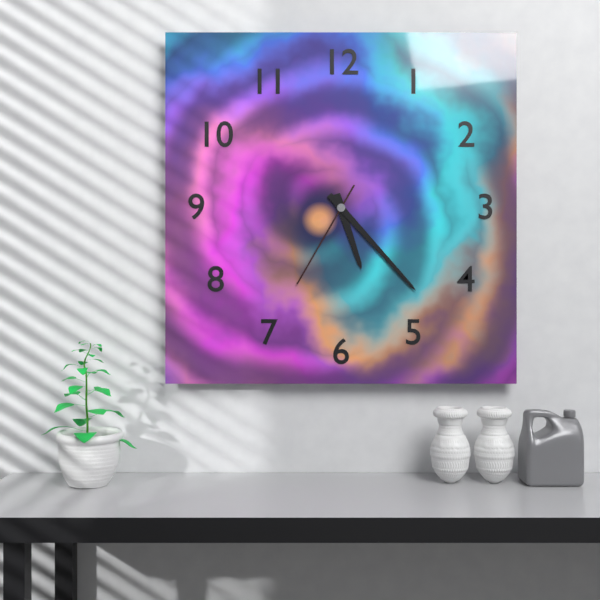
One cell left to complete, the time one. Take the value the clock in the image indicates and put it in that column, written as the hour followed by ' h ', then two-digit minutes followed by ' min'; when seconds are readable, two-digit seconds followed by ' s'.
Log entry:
5 h 23 min 35 s
